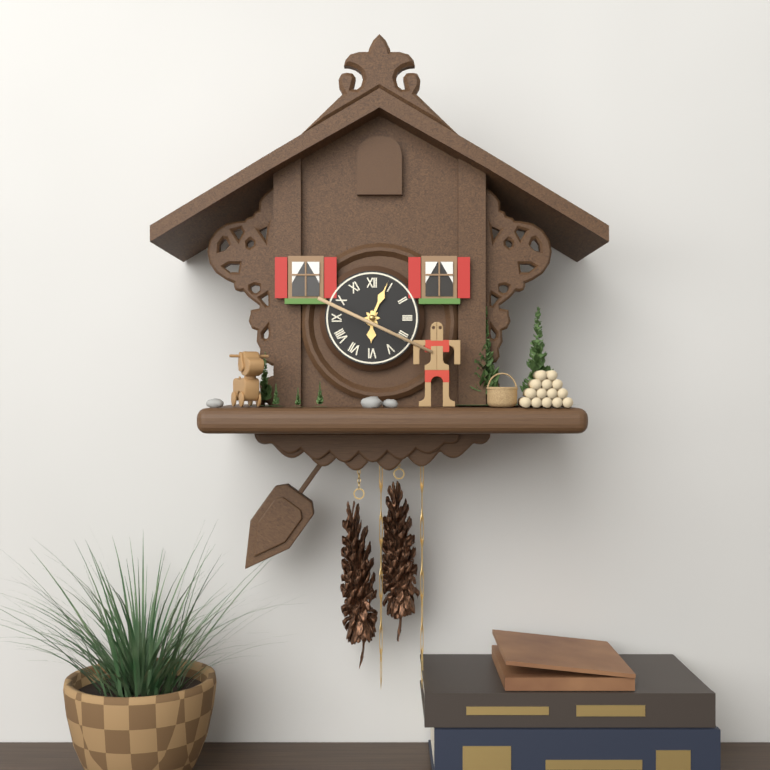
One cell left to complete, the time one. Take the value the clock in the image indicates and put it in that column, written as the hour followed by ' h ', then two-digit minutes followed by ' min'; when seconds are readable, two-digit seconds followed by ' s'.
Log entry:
6 h 04 min
